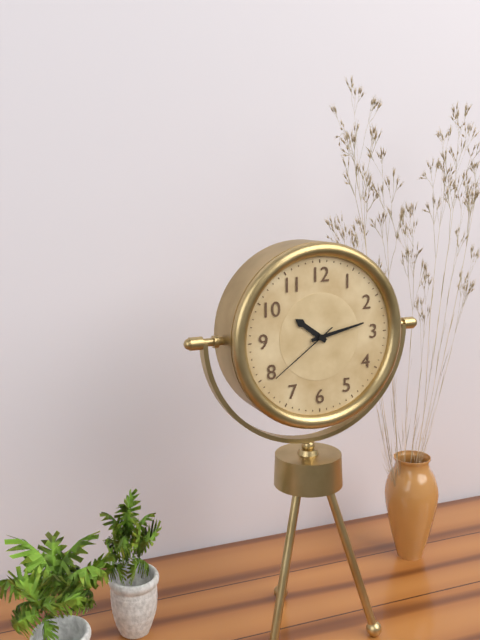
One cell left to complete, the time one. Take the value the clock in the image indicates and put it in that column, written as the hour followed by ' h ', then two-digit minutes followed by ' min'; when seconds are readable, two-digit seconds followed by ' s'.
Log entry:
10 h 13 min 39 s
